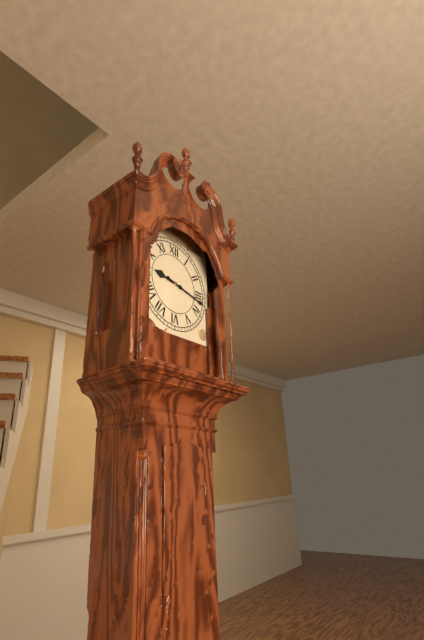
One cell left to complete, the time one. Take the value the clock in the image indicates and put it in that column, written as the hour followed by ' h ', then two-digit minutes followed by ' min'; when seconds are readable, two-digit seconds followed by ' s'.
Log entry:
9 h 17 min
